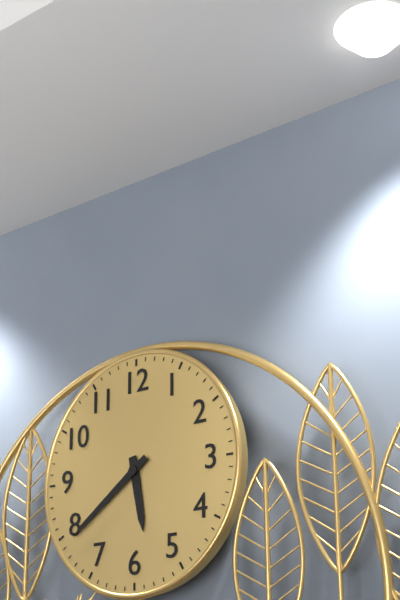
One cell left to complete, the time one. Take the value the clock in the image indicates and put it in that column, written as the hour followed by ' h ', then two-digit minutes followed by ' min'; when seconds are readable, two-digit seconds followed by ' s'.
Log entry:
5 h 39 min
